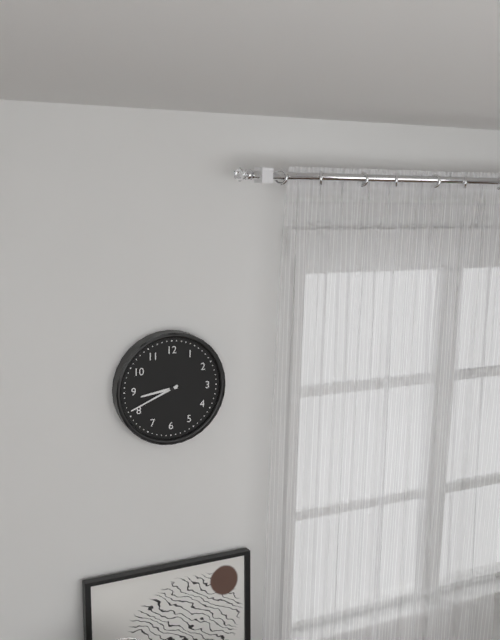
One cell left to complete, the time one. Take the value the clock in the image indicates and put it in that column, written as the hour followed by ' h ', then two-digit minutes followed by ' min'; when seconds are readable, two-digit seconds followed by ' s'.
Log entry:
8 h 41 min
